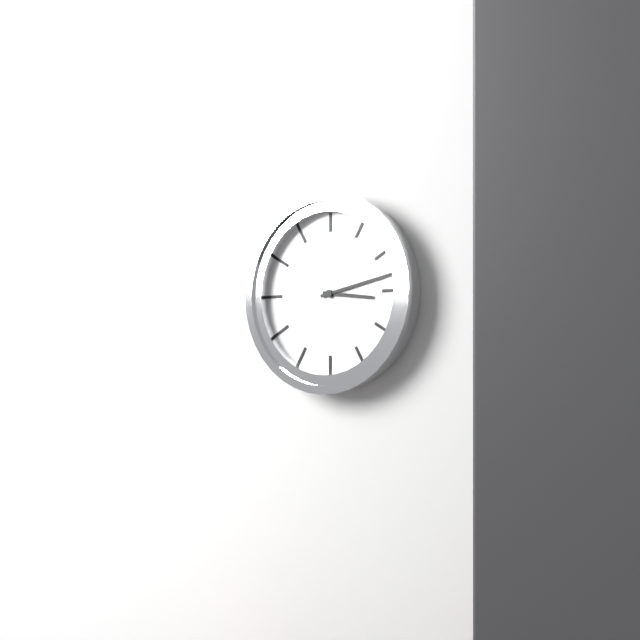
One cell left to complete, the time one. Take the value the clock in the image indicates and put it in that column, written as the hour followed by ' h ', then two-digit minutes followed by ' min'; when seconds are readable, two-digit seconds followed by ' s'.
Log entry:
3 h 13 min
